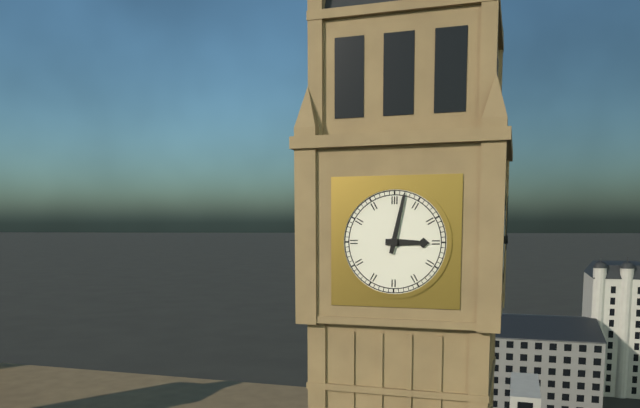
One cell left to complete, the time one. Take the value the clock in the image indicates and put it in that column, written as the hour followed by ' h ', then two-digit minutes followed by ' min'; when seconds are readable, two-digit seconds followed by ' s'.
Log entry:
3 h 02 min
